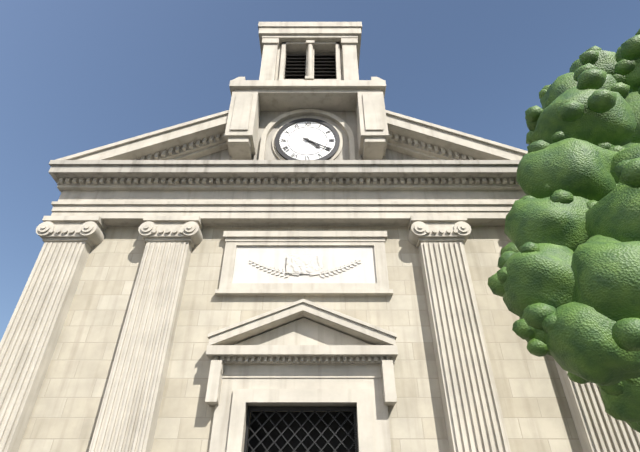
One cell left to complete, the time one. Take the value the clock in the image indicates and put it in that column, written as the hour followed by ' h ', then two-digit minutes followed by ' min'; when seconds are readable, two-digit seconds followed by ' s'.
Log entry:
4 h 20 min
